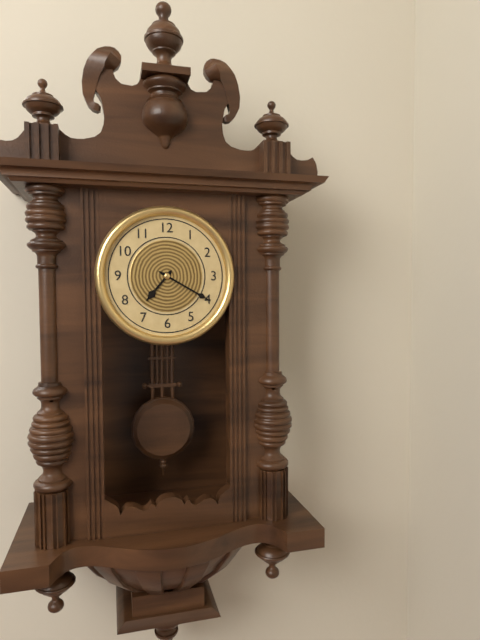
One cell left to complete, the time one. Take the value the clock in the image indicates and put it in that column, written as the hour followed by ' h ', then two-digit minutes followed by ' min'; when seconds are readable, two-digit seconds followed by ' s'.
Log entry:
7 h 20 min
